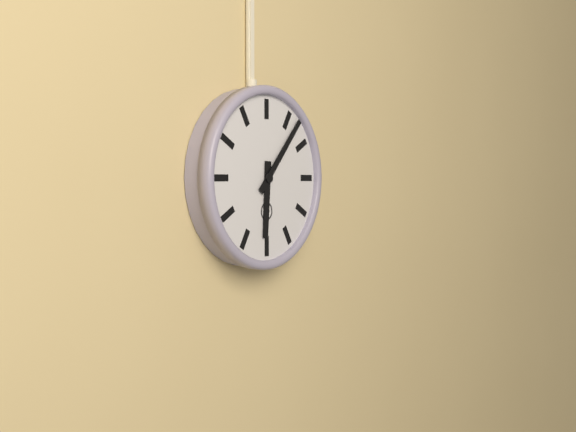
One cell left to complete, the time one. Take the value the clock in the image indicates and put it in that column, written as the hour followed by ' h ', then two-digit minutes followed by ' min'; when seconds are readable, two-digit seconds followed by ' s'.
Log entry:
6 h 07 min
